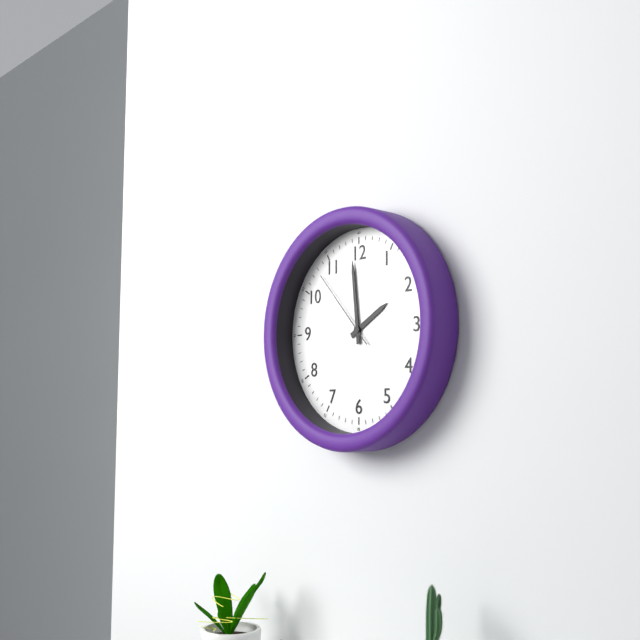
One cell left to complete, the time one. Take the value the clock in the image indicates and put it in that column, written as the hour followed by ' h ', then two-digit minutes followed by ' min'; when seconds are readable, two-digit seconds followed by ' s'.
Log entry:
1 h 59 min 53 s
